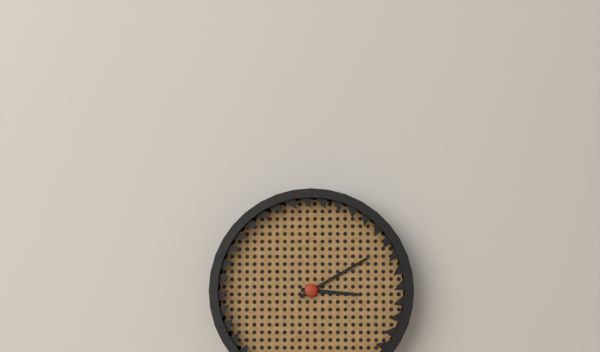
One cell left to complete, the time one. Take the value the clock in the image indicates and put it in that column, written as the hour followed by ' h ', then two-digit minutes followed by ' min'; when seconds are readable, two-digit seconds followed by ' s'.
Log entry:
3 h 10 min
